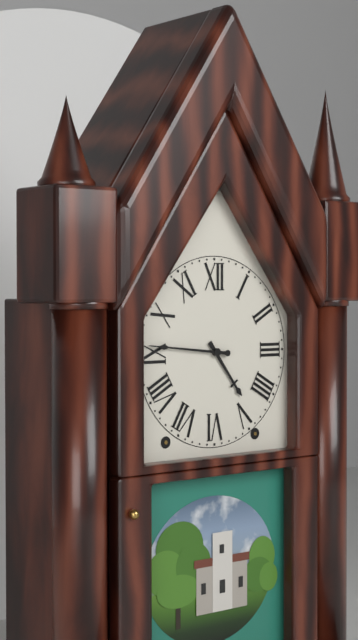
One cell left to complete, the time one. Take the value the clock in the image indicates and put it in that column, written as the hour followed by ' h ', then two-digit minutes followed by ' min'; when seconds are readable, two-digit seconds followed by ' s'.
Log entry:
4 h 46 min
